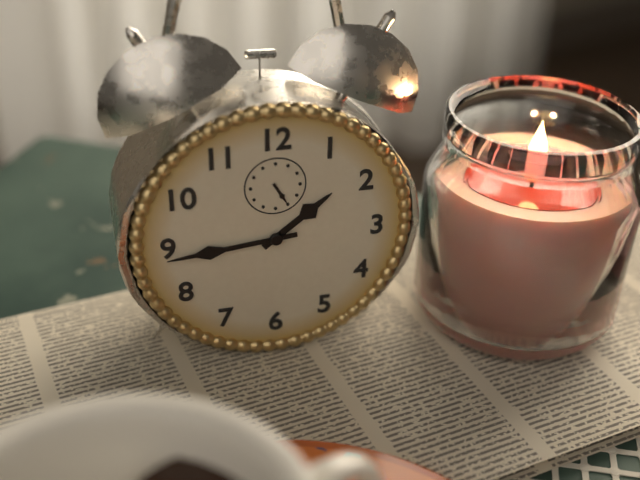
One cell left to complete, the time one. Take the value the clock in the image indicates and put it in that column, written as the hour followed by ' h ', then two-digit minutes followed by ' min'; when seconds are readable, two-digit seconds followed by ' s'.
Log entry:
1 h 44 min
